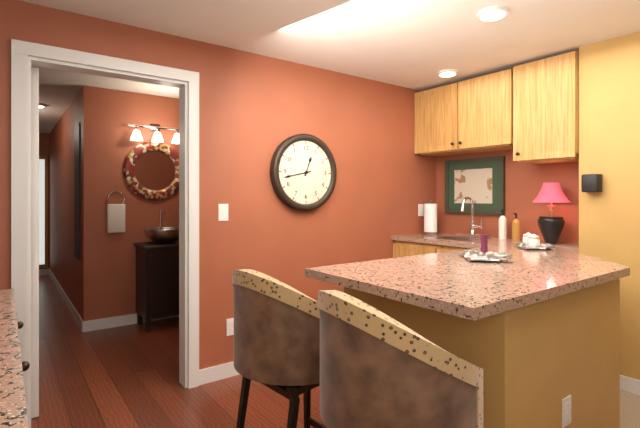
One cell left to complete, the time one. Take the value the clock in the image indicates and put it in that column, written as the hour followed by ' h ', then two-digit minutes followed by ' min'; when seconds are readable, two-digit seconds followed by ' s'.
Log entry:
12 h 43 min
